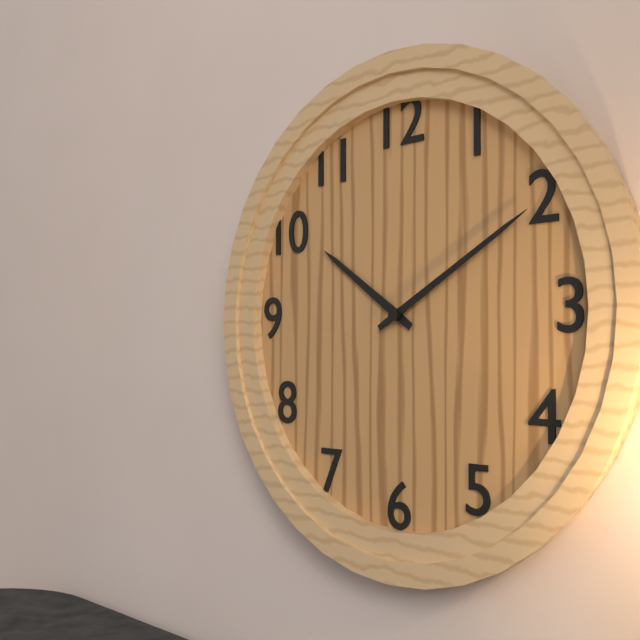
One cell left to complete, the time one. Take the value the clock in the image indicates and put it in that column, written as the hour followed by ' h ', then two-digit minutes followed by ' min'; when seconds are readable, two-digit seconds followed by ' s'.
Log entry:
10 h 10 min
